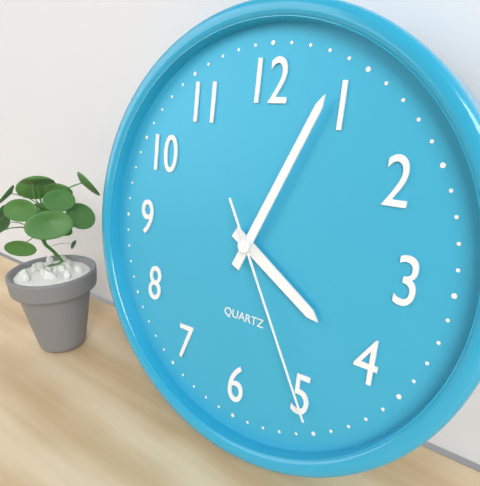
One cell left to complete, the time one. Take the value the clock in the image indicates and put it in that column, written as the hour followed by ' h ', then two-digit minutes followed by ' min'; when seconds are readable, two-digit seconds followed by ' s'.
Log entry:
4 h 04 min 25 s
